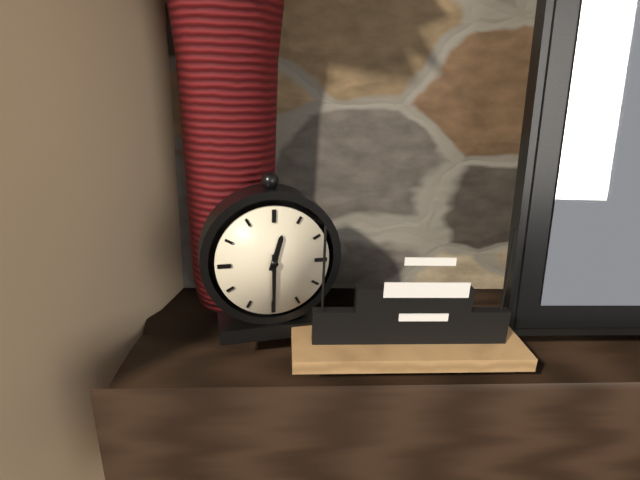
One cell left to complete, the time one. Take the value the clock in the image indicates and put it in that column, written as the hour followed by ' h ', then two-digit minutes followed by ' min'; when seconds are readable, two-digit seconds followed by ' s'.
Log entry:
12 h 30 min
